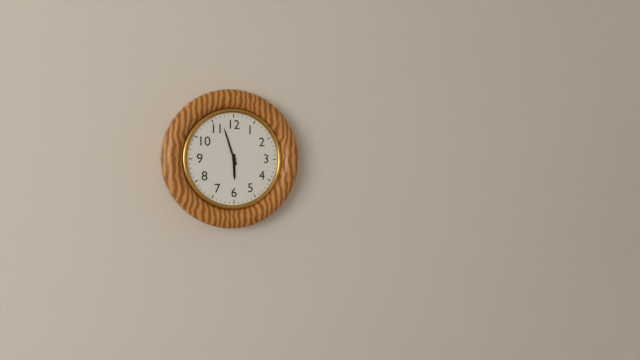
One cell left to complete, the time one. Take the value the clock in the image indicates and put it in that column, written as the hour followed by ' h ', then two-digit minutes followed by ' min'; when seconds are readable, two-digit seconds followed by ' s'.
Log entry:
5 h 57 min
